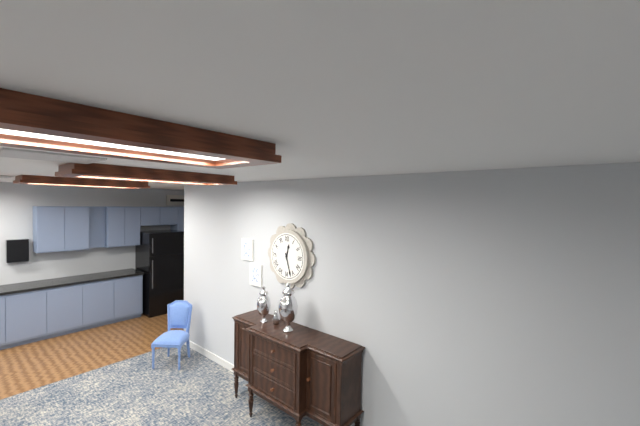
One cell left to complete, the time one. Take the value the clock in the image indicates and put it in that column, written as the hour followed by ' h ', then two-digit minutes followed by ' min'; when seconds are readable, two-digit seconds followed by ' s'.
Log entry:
12 h 27 min
